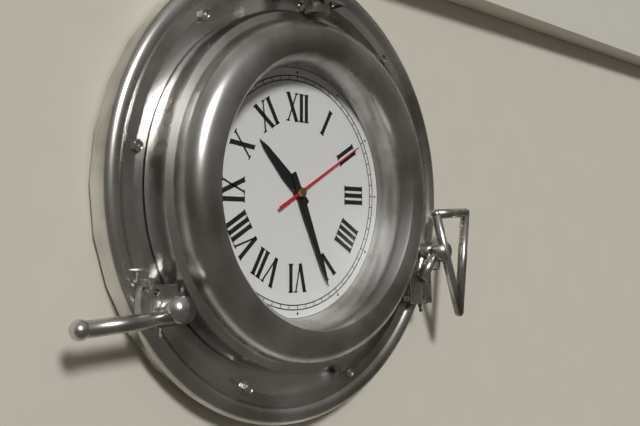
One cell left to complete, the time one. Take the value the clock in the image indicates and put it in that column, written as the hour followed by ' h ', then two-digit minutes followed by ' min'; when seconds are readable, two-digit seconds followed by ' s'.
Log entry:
10 h 26 min 10 s
